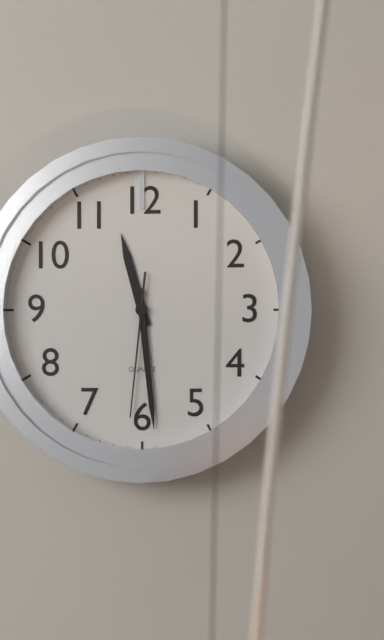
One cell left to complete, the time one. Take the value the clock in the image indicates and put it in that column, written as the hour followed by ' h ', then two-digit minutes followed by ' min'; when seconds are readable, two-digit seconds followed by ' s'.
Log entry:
11 h 29 min 31 s
